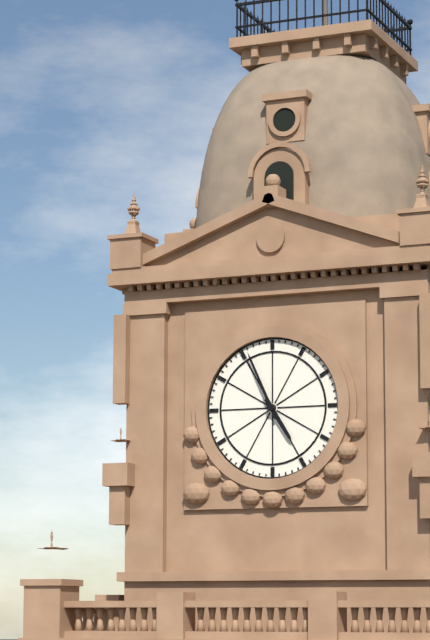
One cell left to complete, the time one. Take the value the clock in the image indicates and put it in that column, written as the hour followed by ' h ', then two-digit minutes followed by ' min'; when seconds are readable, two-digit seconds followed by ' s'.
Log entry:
4 h 56 min
